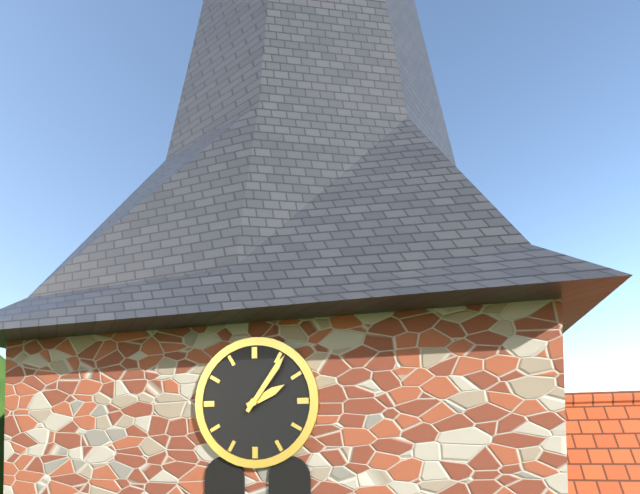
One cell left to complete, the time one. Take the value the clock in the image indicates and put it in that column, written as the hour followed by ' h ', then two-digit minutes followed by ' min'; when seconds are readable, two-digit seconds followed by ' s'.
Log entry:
2 h 06 min
